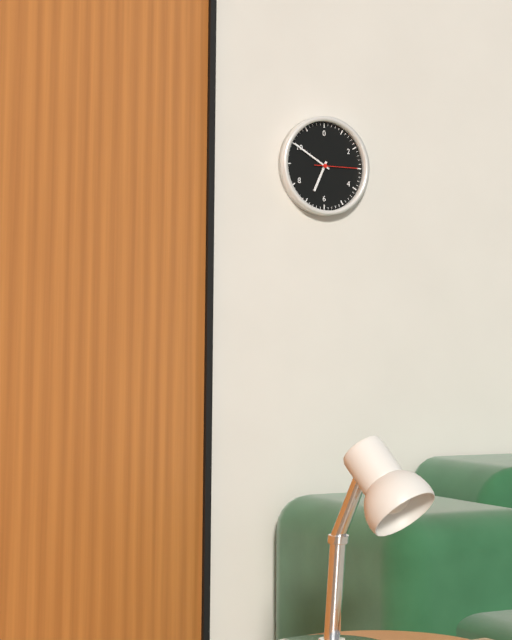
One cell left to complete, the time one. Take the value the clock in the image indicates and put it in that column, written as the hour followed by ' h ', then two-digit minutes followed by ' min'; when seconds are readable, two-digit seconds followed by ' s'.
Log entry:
6 h 50 min
